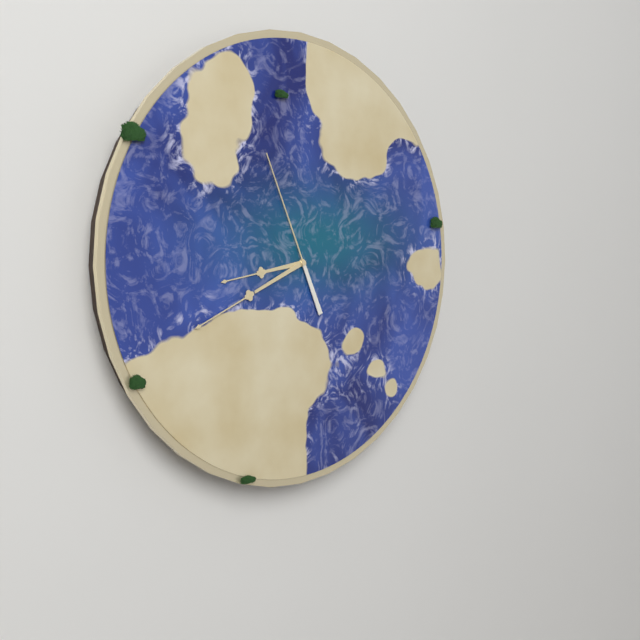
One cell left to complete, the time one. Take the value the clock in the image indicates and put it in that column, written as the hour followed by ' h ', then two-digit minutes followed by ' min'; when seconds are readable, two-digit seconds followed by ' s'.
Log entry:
8 h 41 min 56 s
